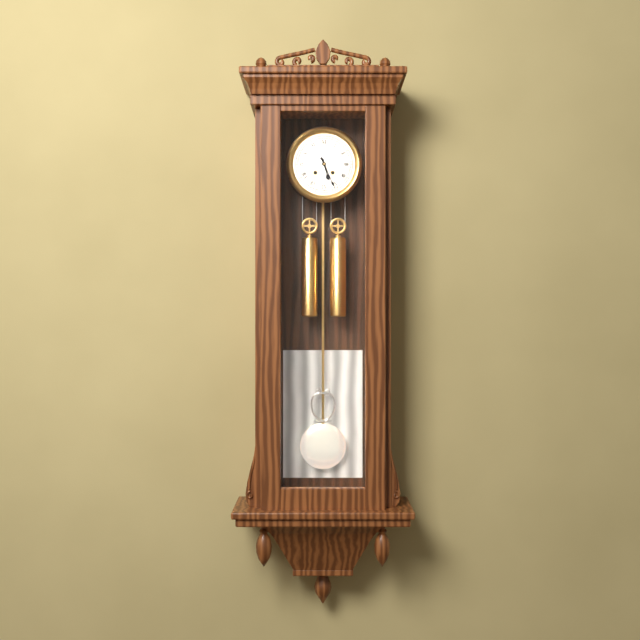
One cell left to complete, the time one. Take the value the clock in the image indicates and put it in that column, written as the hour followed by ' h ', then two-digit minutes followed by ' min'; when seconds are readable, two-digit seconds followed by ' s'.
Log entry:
5 h 26 min
